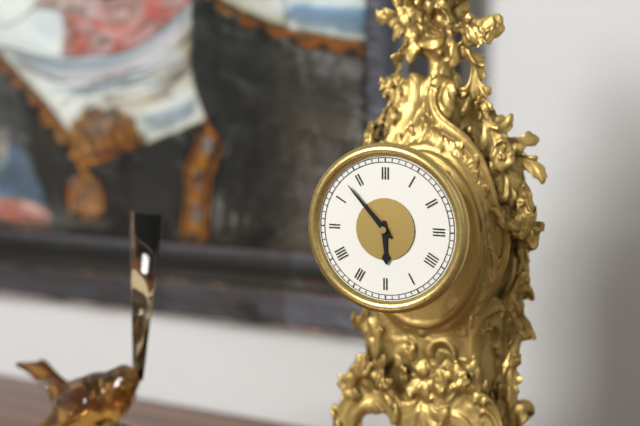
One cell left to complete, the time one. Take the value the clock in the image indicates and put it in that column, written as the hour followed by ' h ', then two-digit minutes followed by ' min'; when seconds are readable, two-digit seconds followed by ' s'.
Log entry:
5 h 53 min
